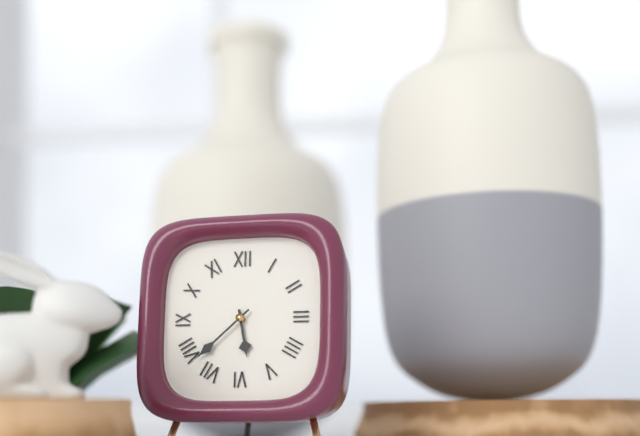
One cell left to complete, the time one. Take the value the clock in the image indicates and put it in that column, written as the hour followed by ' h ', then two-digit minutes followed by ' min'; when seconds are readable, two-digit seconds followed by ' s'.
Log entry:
5 h 38 min
